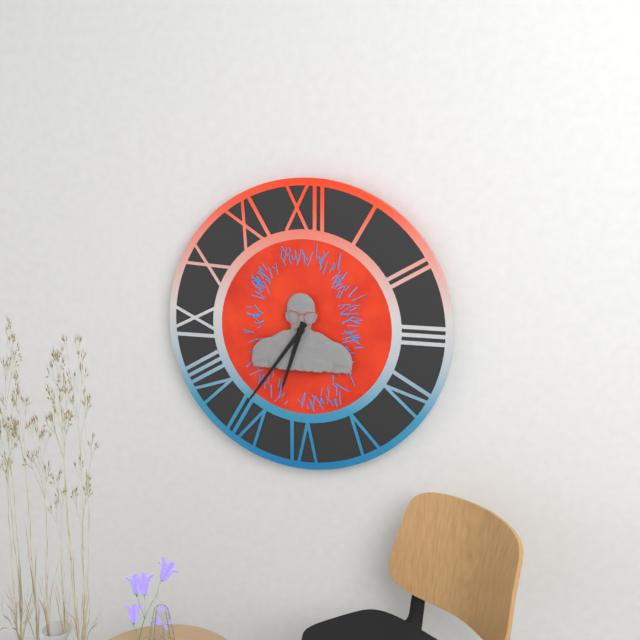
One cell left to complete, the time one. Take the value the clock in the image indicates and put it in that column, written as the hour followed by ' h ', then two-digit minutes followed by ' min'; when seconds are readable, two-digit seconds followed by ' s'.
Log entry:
6 h 36 min
